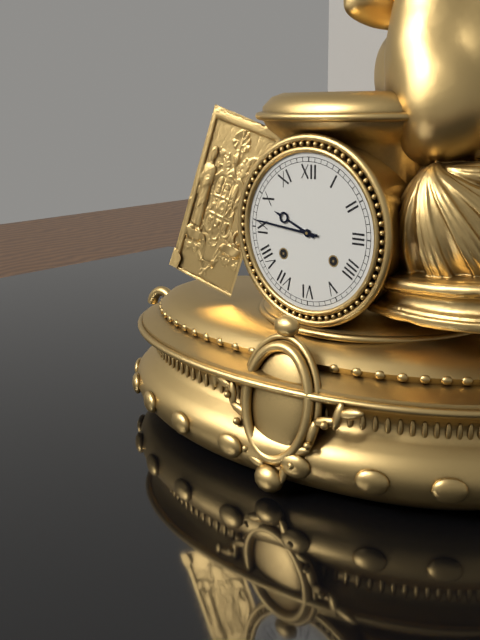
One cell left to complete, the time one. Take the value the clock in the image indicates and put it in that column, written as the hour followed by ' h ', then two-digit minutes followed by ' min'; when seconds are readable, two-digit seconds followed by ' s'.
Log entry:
9 h 46 min
